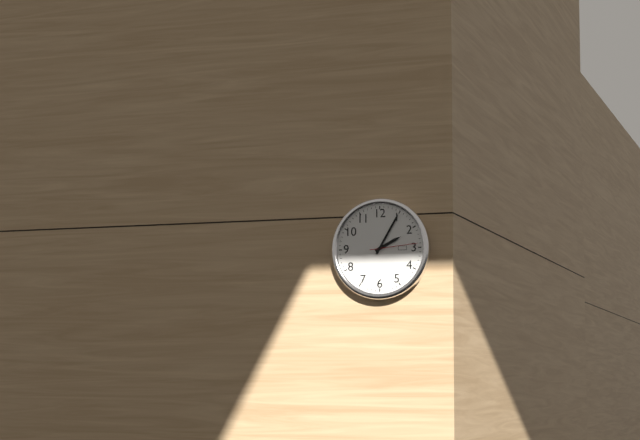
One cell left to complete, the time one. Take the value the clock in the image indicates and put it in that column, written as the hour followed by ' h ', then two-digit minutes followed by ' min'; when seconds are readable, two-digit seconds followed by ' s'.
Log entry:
2 h 05 min
